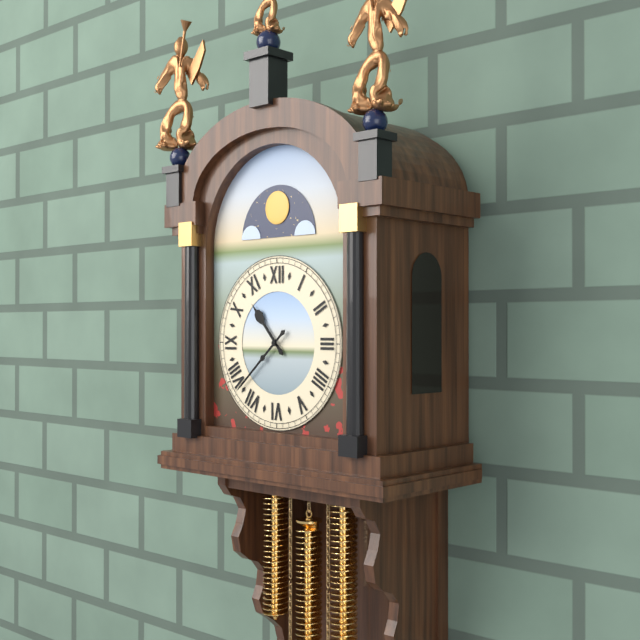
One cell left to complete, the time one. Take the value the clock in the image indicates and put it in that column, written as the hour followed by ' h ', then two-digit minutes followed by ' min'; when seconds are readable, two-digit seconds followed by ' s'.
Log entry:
10 h 38 min
